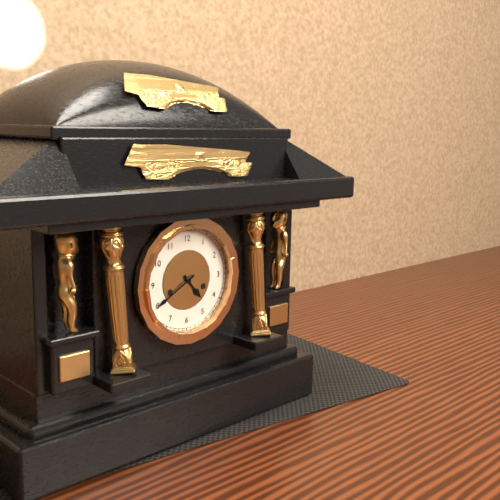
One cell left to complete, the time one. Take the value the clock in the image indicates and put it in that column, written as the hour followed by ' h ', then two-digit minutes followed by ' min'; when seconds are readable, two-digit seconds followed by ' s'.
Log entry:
4 h 40 min
